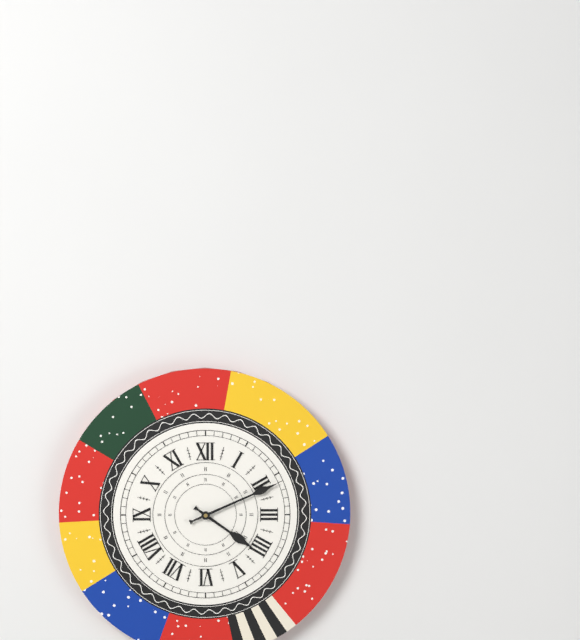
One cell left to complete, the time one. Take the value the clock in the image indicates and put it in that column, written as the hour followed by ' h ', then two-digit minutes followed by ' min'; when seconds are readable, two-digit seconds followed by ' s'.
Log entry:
4 h 11 min
